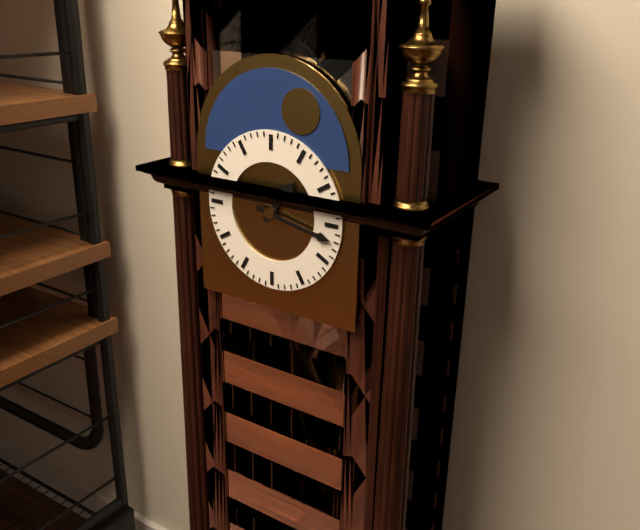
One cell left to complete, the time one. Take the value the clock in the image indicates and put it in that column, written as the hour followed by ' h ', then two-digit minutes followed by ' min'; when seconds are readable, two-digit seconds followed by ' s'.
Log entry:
1 h 17 min
